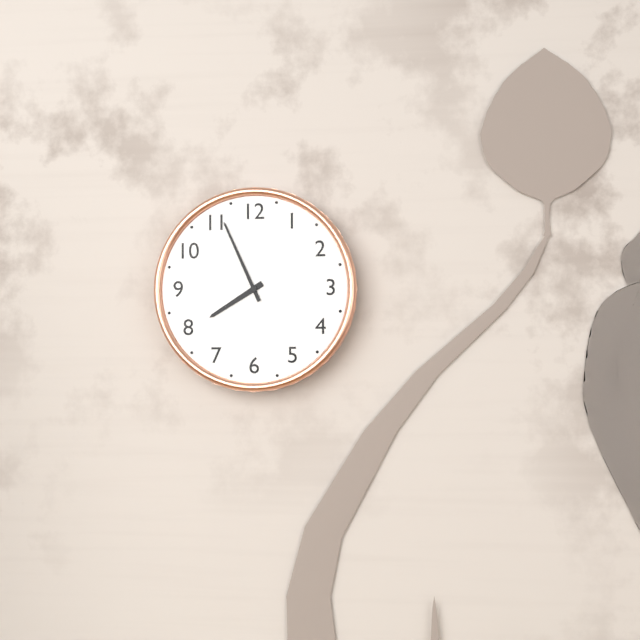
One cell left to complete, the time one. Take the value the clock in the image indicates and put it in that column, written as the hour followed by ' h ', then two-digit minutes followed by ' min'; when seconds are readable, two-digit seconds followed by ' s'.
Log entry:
7 h 56 min
